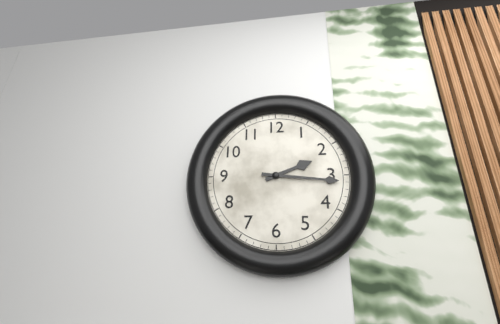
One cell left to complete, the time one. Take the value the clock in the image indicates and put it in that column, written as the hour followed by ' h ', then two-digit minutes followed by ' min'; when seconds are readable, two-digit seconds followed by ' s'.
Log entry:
2 h 16 min
